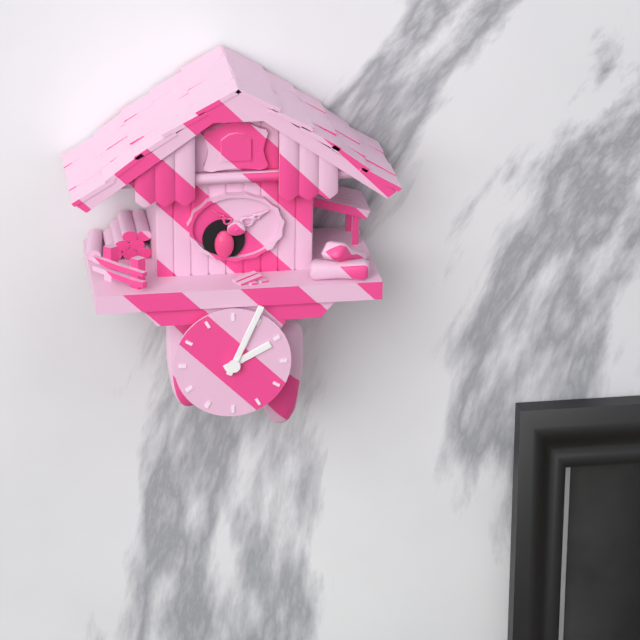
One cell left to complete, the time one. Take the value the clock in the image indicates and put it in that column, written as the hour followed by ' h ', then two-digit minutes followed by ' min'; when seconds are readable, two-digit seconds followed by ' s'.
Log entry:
2 h 04 min
